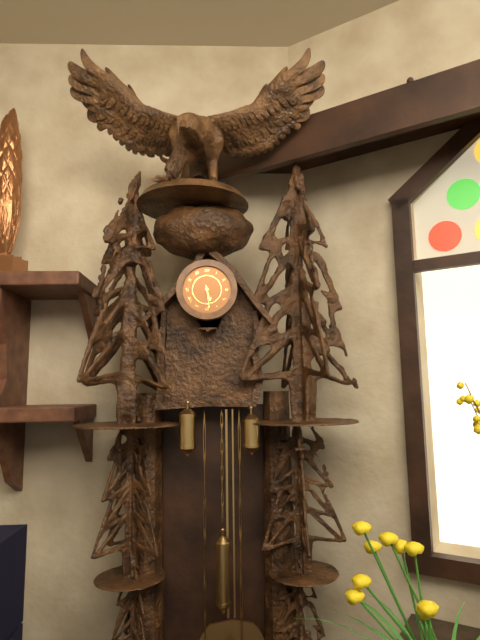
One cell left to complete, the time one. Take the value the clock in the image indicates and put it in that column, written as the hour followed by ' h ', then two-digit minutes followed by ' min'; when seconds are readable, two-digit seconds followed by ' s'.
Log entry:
5 h 29 min
